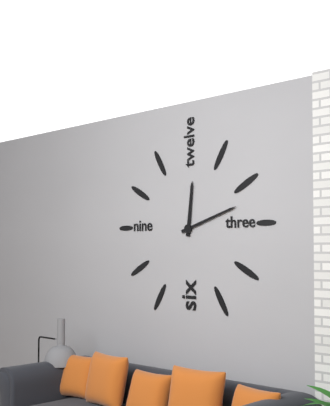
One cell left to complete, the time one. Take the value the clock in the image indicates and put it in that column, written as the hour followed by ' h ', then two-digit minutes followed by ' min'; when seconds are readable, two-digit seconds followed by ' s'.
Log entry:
12 h 12 min
